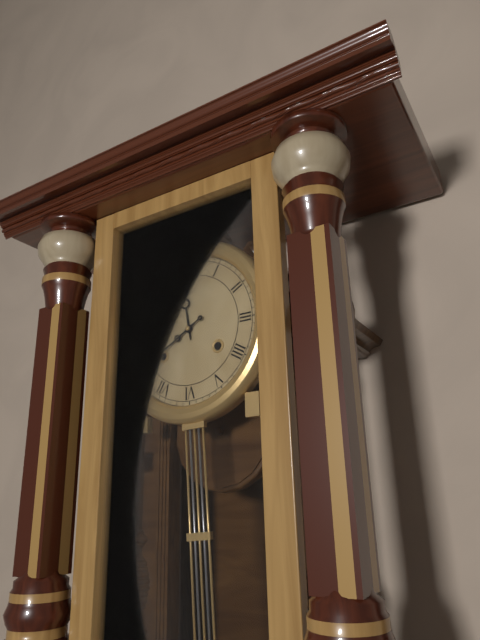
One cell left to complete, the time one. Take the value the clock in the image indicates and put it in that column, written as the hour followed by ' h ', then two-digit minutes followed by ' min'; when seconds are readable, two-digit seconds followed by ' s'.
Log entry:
11 h 40 min
